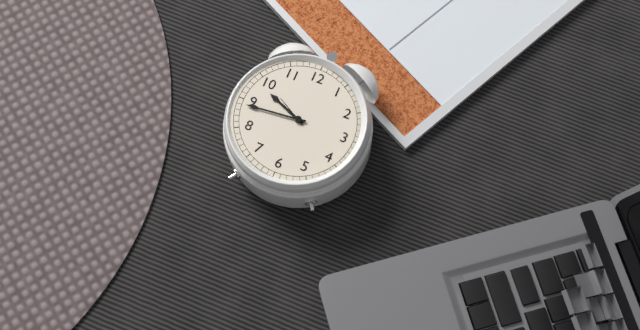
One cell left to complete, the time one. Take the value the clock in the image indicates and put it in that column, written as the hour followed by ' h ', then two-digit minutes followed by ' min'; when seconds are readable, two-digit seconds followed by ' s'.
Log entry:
9 h 44 min
